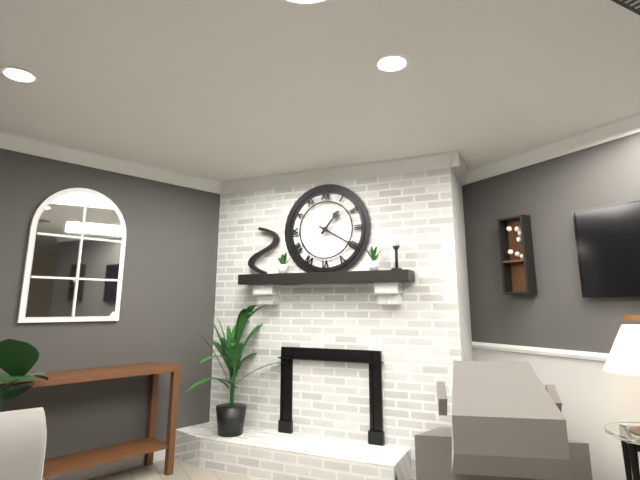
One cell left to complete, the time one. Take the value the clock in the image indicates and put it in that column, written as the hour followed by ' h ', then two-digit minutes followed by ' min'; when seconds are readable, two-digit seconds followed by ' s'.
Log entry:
1 h 20 min
